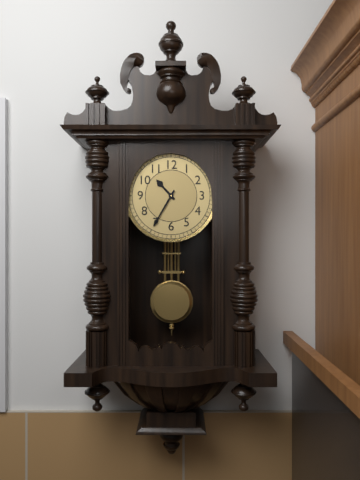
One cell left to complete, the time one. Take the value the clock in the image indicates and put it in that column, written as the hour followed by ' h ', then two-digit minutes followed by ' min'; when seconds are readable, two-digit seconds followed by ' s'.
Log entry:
10 h 35 min
